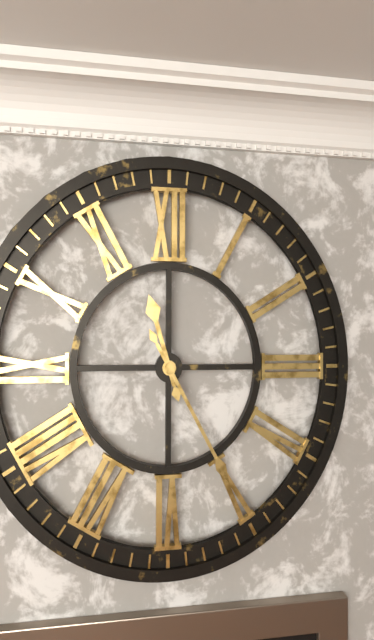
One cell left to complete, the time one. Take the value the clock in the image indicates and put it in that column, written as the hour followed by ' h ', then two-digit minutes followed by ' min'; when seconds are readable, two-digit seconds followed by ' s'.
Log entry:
11 h 25 min
